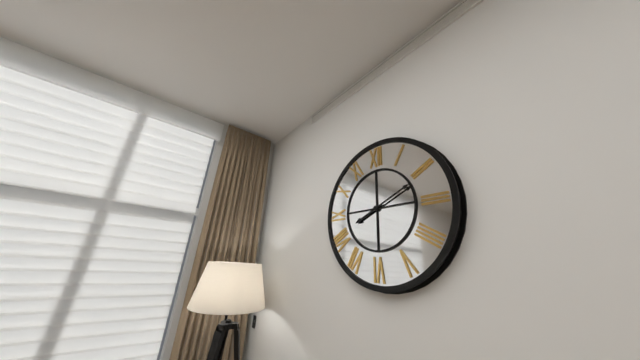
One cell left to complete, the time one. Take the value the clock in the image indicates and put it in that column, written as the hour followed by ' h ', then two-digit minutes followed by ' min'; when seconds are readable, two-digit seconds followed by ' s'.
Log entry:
8 h 11 min
